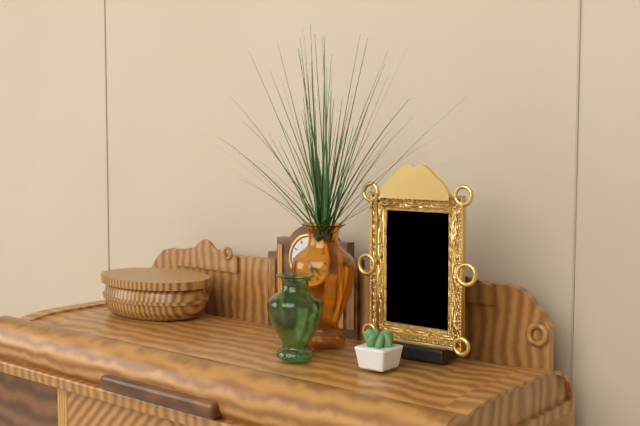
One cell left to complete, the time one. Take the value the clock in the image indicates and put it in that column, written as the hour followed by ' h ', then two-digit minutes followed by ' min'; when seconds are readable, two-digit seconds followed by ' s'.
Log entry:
5 h 22 min
